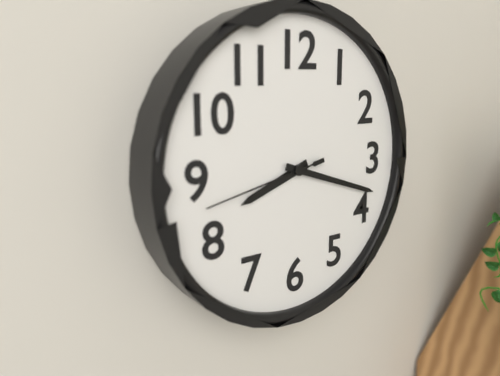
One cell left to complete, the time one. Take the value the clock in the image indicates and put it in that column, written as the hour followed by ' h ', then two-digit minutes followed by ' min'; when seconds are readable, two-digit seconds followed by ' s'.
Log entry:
8 h 18 min 43 s
